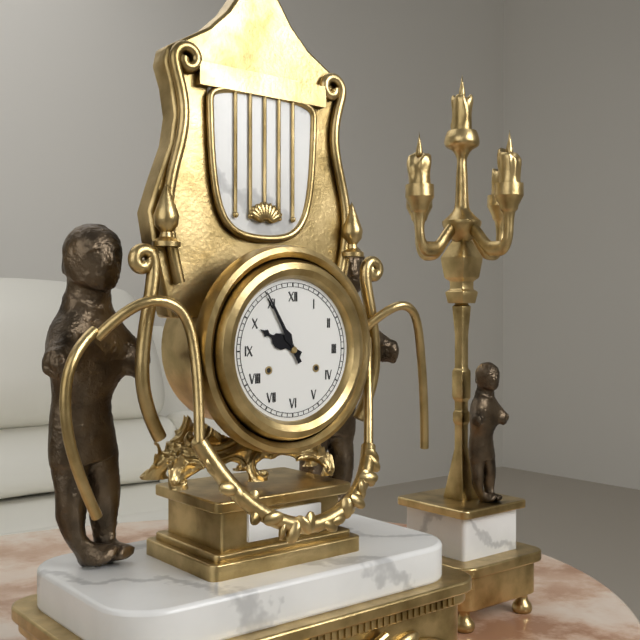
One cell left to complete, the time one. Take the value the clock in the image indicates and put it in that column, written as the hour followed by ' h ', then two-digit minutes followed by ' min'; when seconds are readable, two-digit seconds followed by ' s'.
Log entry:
9 h 55 min
